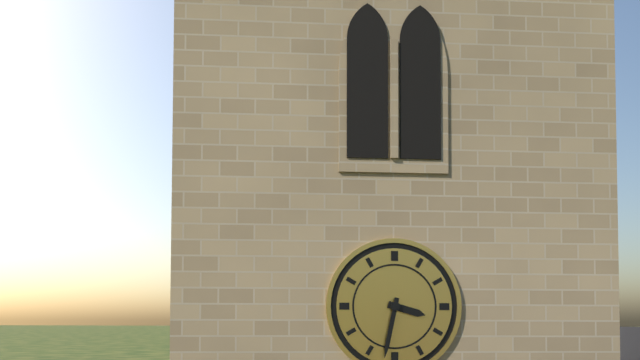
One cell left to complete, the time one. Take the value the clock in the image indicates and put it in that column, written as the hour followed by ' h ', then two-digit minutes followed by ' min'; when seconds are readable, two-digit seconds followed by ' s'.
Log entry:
3 h 32 min
